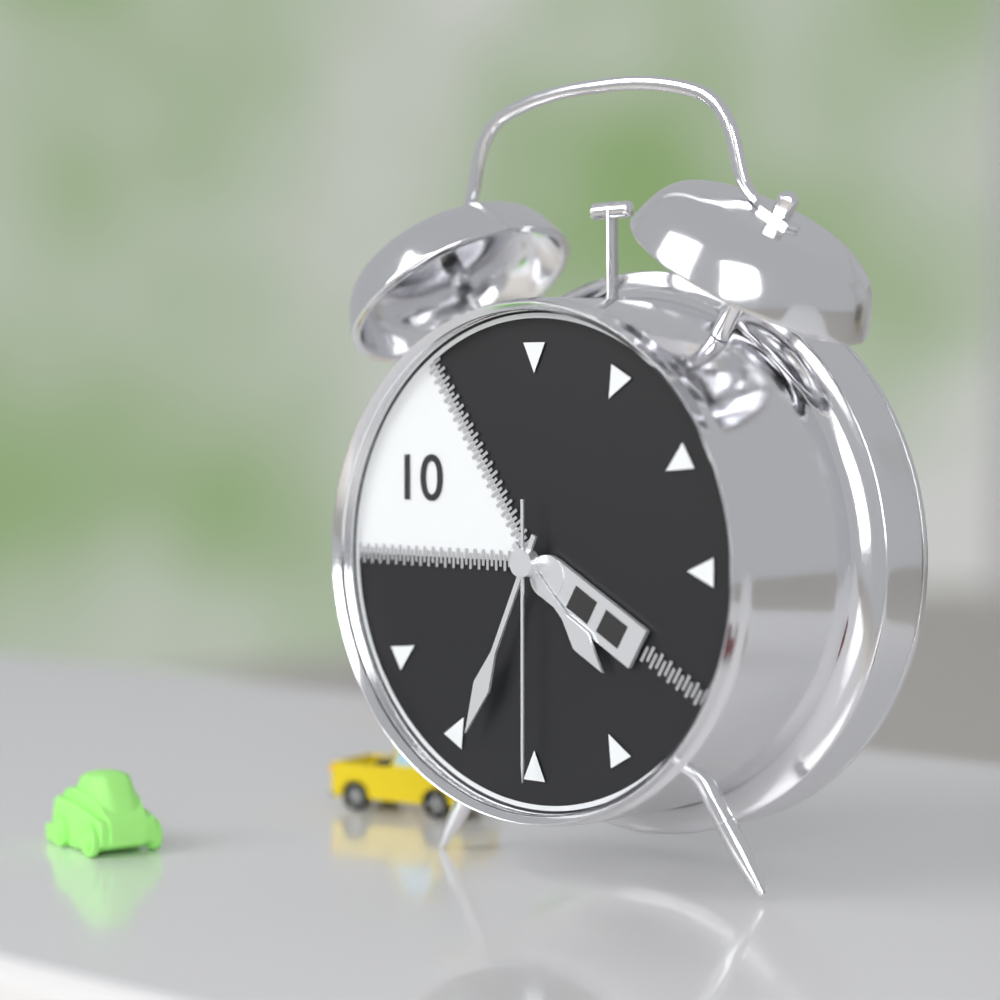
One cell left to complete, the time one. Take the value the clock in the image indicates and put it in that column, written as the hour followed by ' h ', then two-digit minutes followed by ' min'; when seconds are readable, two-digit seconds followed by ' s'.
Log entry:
4 h 34 min 30 s
